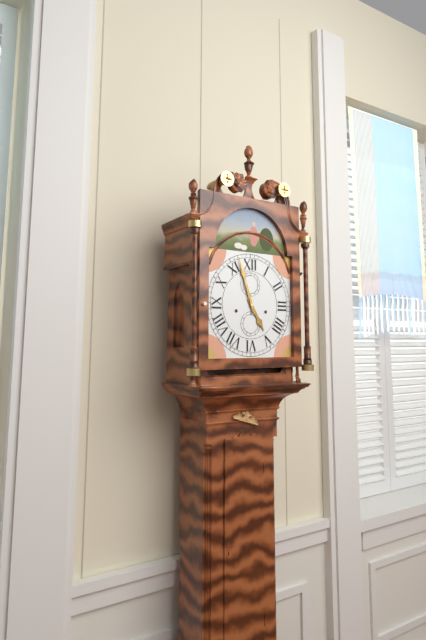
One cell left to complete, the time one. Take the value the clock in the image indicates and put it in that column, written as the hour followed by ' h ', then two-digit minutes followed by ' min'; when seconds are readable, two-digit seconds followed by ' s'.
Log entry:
4 h 57 min
